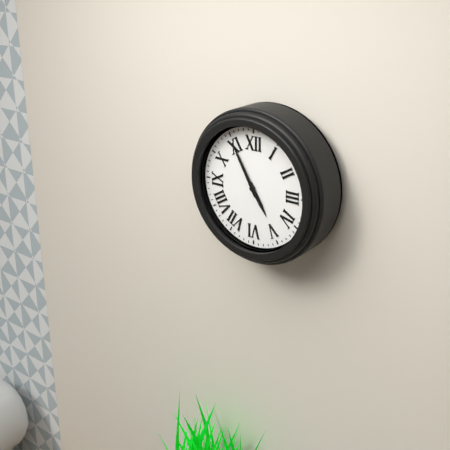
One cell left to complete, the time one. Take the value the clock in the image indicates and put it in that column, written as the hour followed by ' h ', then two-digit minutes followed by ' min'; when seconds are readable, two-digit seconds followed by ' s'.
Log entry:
4 h 55 min
